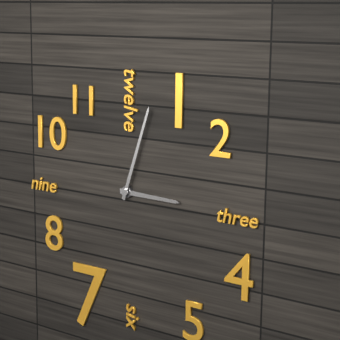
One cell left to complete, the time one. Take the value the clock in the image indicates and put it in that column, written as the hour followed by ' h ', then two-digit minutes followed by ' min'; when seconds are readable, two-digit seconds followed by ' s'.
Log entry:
3 h 03 min
